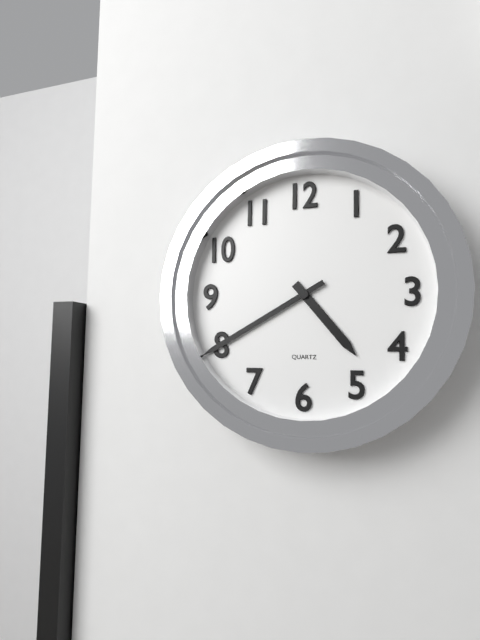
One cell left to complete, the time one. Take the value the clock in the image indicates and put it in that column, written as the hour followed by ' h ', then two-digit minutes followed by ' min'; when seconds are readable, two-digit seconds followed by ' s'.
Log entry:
4 h 40 min
